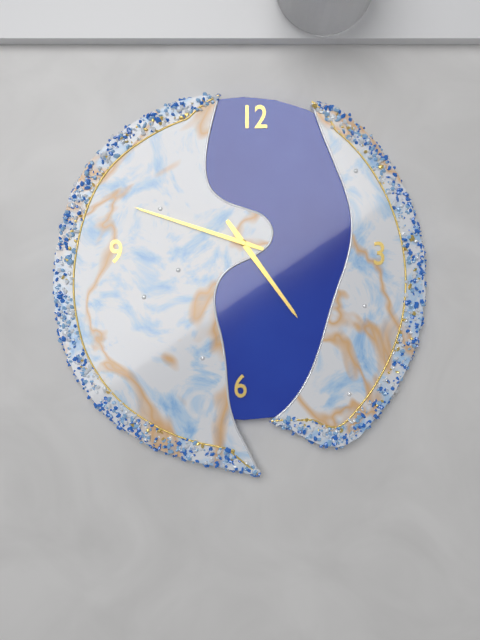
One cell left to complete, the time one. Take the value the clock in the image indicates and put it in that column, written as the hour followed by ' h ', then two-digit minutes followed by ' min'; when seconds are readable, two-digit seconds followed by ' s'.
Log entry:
4 h 48 min
